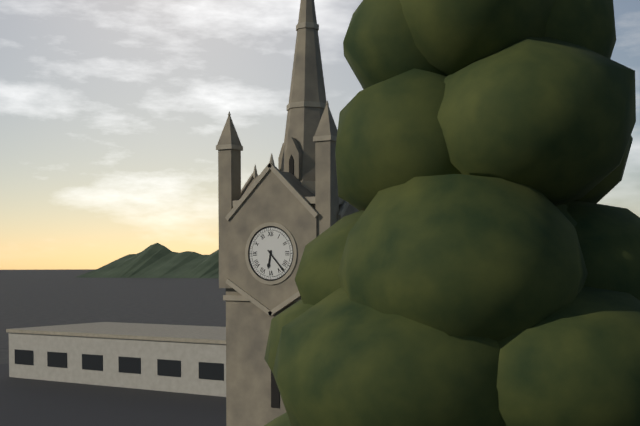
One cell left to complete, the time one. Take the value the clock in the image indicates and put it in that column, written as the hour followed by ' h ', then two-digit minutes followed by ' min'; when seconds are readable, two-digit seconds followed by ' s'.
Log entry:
6 h 23 min
